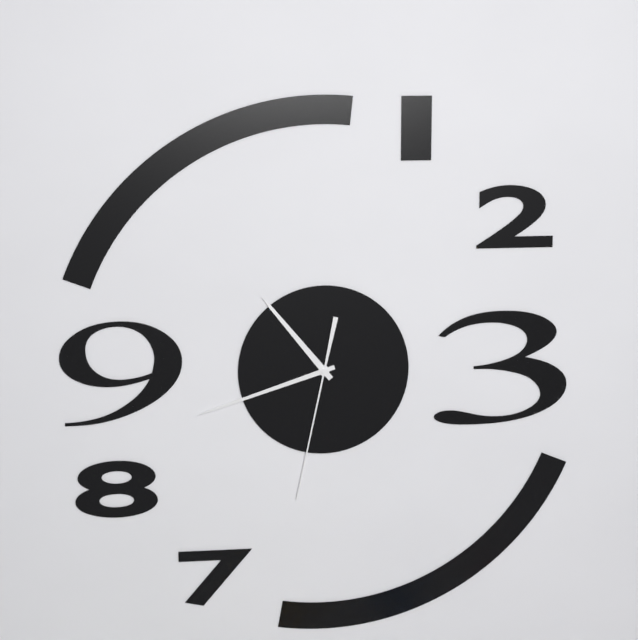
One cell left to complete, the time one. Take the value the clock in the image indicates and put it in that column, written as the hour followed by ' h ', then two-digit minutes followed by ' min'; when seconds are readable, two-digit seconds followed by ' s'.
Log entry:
10 h 42 min 32 s
